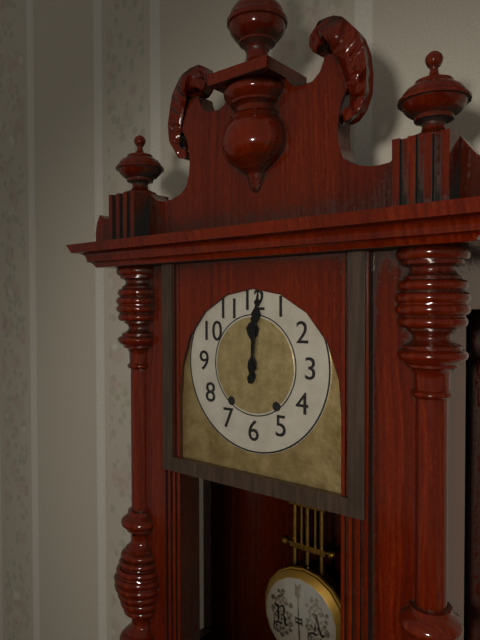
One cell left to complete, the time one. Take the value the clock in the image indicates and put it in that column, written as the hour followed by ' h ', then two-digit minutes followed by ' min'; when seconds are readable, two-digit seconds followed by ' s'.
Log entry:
12 h 01 min
